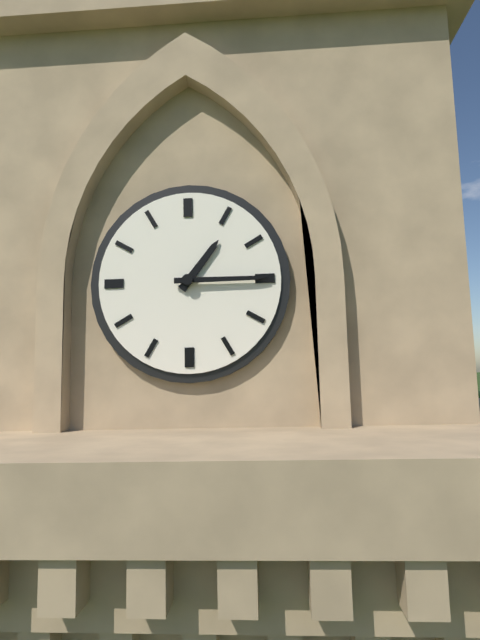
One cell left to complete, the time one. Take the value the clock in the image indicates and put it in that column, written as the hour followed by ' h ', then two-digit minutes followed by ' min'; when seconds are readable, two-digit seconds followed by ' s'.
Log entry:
1 h 15 min
